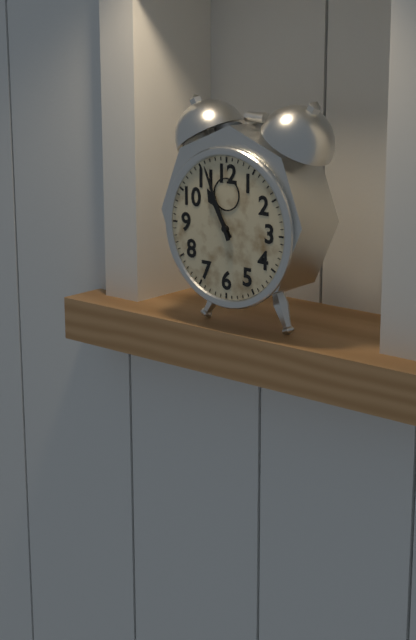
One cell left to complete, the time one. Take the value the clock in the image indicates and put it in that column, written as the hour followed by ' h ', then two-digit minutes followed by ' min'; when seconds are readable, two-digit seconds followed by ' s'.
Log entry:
10 h 56 min
